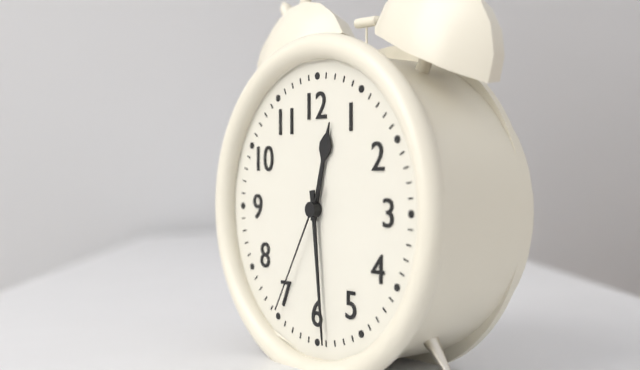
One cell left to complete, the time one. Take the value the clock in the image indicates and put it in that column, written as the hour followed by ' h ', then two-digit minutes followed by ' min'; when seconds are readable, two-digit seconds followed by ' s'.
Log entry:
12 h 29 min 35 s
